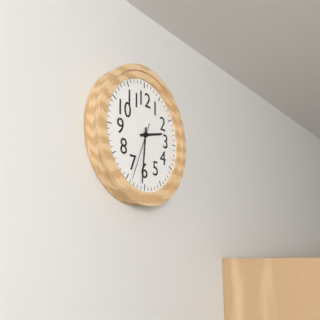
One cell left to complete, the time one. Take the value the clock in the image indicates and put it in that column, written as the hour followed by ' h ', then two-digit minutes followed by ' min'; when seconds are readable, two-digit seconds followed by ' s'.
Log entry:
2 h 31 min 34 s
